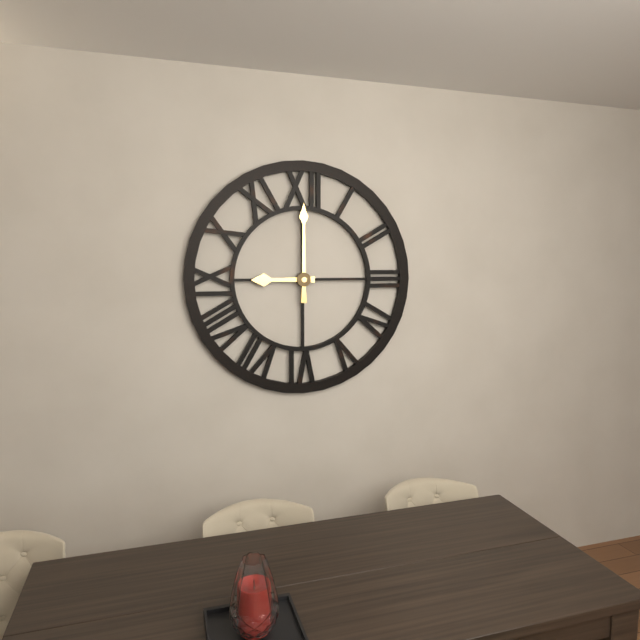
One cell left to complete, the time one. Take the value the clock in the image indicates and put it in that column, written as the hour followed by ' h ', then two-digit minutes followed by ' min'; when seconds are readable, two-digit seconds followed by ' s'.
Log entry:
9 h 00 min
